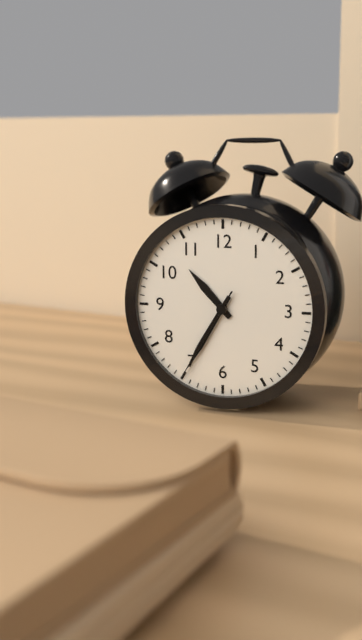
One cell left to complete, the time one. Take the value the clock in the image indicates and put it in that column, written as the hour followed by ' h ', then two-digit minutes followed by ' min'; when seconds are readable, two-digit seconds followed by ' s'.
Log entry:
10 h 35 min 35 s
